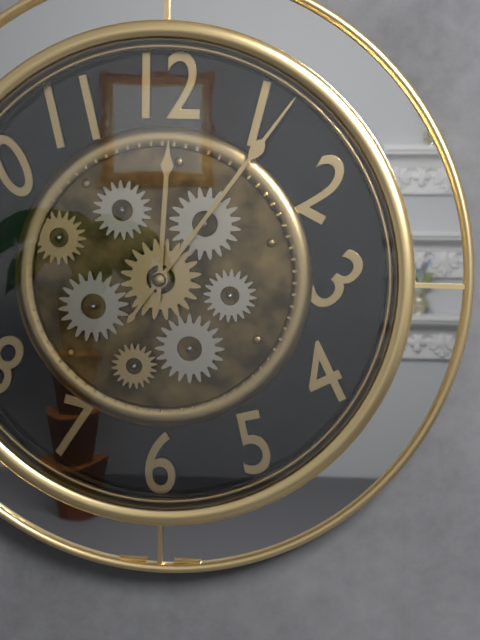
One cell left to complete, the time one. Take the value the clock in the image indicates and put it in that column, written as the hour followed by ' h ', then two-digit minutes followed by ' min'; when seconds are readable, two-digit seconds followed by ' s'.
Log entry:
12 h 06 min
